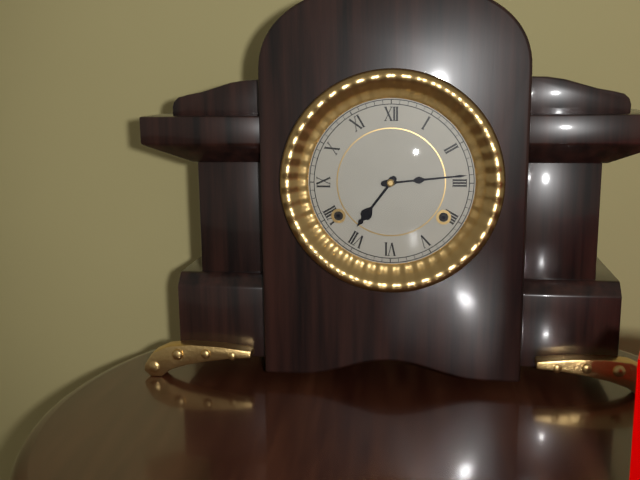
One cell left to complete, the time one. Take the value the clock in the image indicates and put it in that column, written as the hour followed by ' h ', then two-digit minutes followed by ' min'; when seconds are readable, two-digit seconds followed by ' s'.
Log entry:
7 h 14 min
